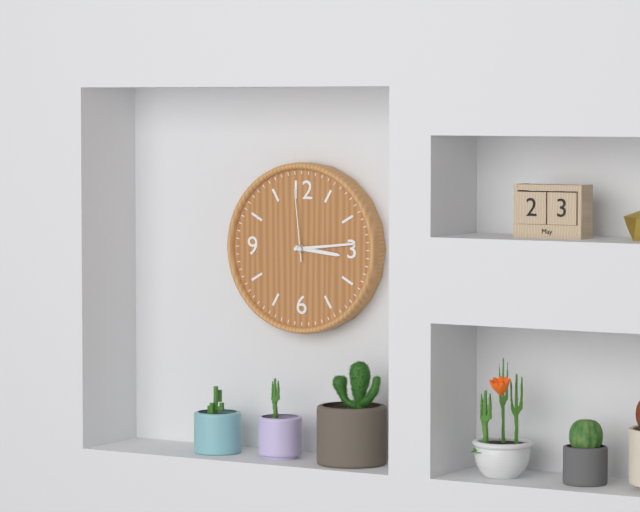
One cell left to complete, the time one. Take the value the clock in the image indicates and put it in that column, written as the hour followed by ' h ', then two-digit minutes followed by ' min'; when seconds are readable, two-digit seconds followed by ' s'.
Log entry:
3 h 14 min 59 s
